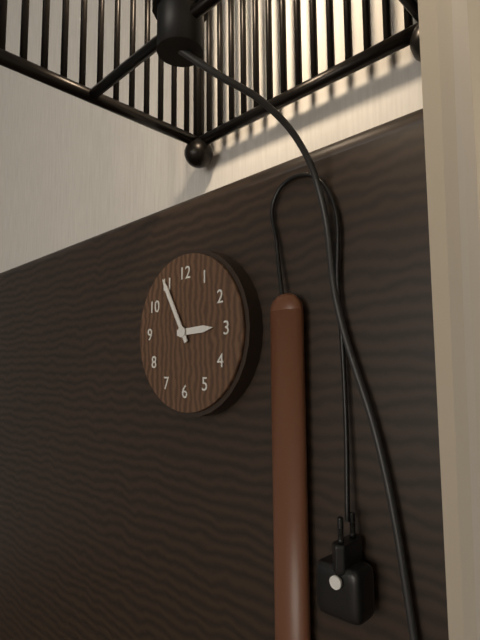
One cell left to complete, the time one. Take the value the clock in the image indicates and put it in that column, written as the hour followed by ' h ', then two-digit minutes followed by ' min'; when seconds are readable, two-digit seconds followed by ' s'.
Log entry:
2 h 55 min
